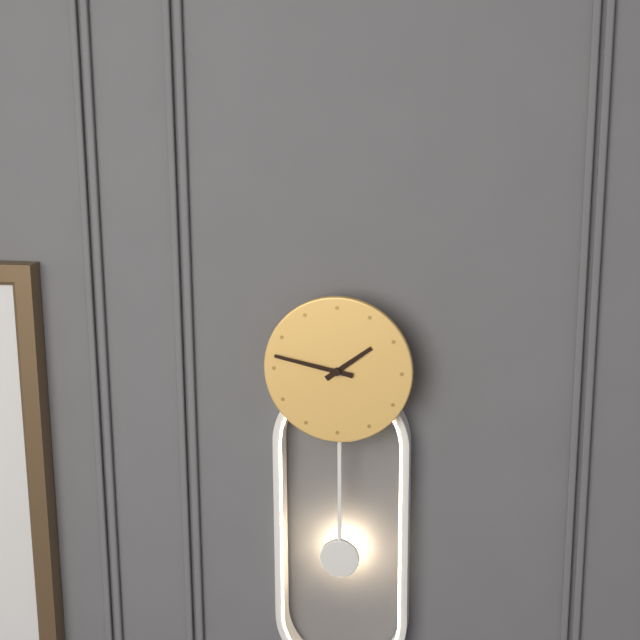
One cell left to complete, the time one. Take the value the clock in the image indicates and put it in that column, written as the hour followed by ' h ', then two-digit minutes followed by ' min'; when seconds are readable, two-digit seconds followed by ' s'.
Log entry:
1 h 47 min
